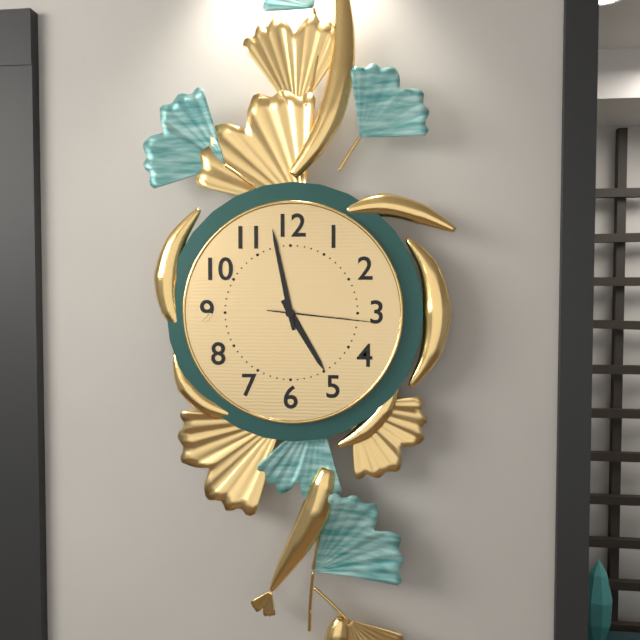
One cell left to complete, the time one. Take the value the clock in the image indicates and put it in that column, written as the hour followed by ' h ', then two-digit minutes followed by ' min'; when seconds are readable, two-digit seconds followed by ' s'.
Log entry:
4 h 58 min 16 s
